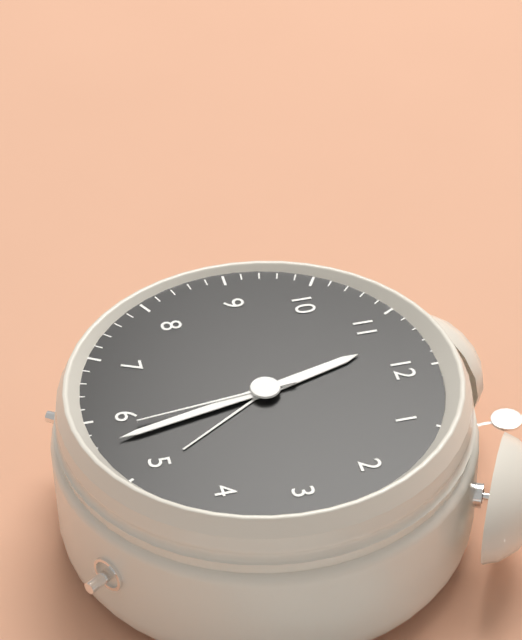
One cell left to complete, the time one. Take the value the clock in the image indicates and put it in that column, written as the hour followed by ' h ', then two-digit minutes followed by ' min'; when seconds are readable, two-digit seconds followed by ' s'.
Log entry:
11 h 28 min 29 s
